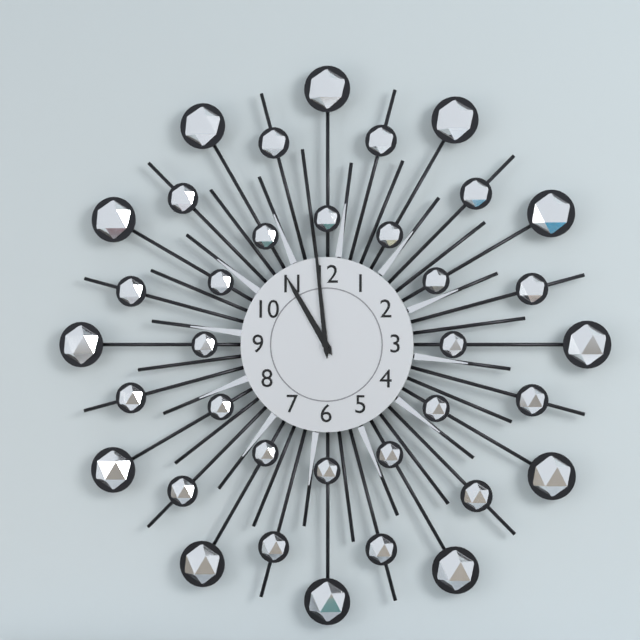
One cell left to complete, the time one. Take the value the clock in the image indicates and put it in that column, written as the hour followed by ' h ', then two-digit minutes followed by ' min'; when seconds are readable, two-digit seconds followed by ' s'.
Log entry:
10 h 59 min
